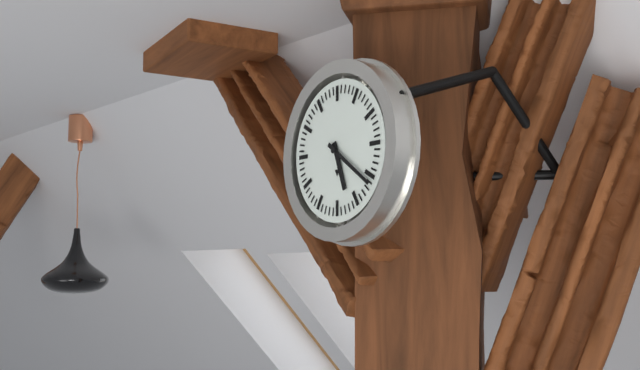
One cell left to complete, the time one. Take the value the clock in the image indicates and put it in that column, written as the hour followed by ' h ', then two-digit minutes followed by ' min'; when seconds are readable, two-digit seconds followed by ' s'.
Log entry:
5 h 21 min
